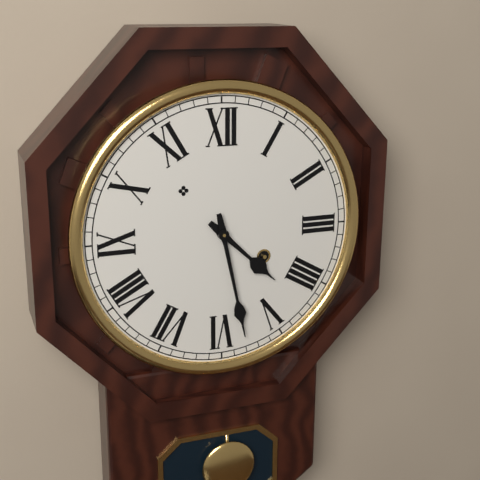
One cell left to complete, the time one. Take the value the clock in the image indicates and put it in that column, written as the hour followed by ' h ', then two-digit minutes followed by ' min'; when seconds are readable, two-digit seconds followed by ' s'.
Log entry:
4 h 28 min
